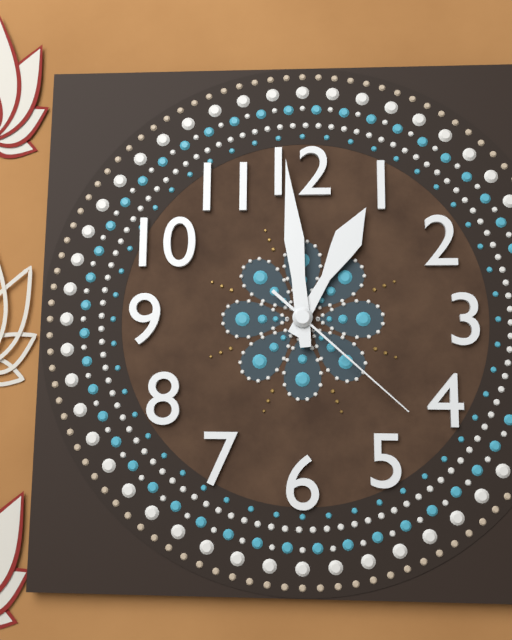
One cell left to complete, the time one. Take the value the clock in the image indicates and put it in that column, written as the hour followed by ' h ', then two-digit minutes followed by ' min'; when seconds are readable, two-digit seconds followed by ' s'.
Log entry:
12 h 59 min 22 s
